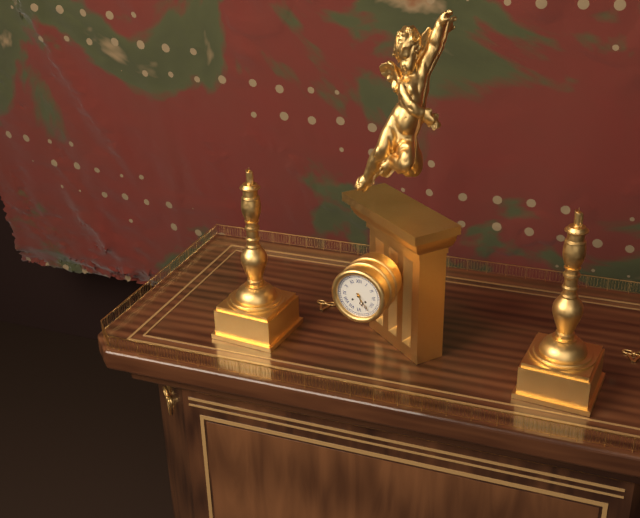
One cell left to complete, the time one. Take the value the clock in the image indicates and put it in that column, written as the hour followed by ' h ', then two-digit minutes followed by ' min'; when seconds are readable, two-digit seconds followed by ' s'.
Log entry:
5 h 24 min
